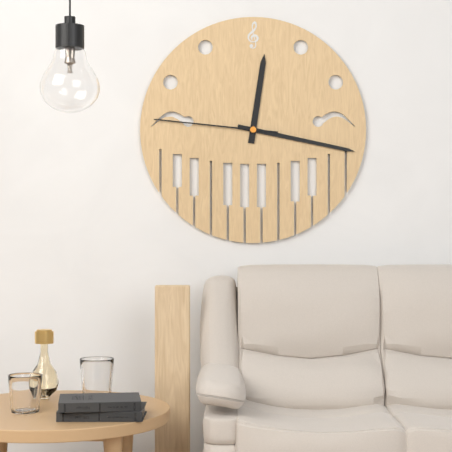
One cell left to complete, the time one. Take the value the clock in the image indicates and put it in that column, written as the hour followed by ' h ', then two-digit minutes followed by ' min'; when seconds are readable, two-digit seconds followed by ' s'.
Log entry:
12 h 17 min 46 s
